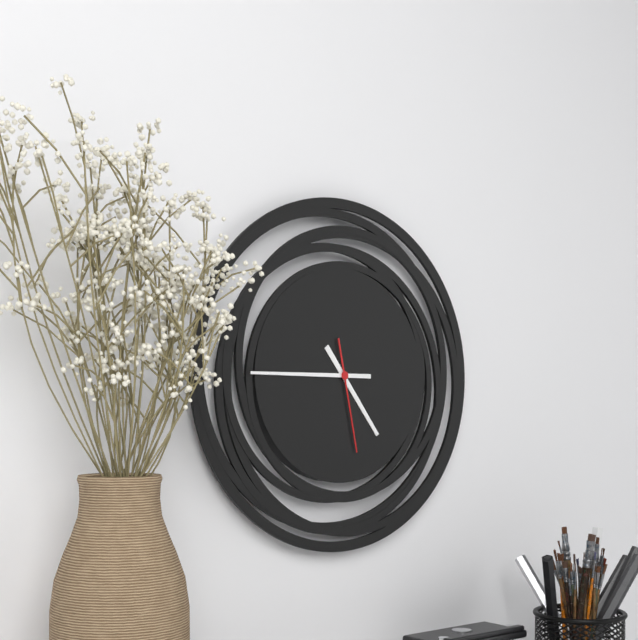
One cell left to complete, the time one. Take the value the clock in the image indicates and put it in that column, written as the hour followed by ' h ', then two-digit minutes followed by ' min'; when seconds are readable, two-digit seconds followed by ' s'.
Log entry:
4 h 45 min 28 s
